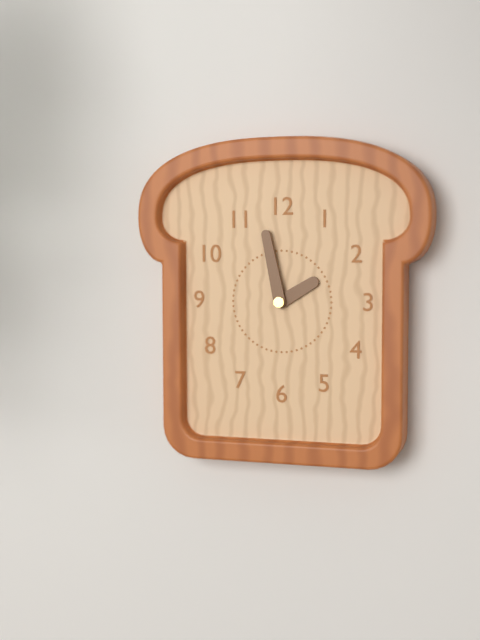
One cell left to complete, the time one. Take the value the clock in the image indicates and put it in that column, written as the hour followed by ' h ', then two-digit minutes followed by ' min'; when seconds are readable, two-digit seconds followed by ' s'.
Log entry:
1 h 58 min
